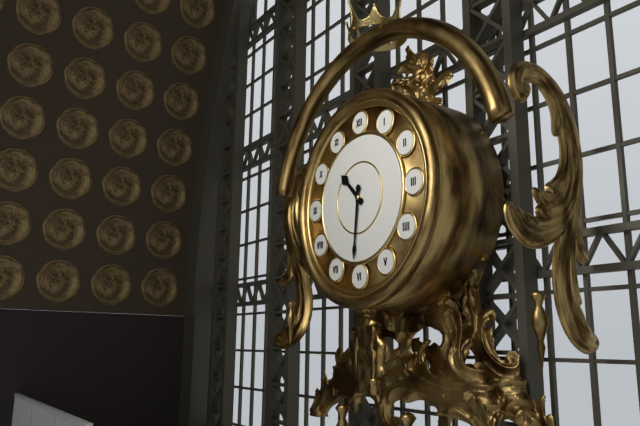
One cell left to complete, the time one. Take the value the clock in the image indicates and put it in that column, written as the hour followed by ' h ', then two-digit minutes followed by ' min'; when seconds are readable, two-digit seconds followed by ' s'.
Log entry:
10 h 31 min
